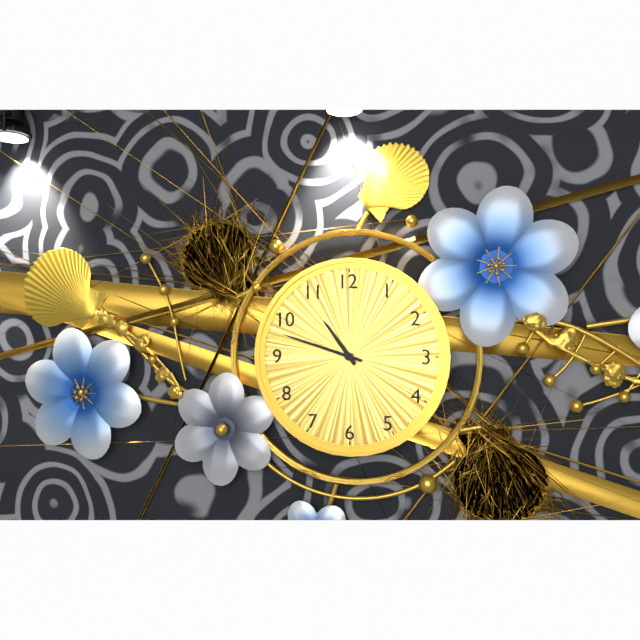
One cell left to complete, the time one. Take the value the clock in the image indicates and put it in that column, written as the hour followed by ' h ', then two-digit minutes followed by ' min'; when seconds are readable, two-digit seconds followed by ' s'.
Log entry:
10 h 48 min
